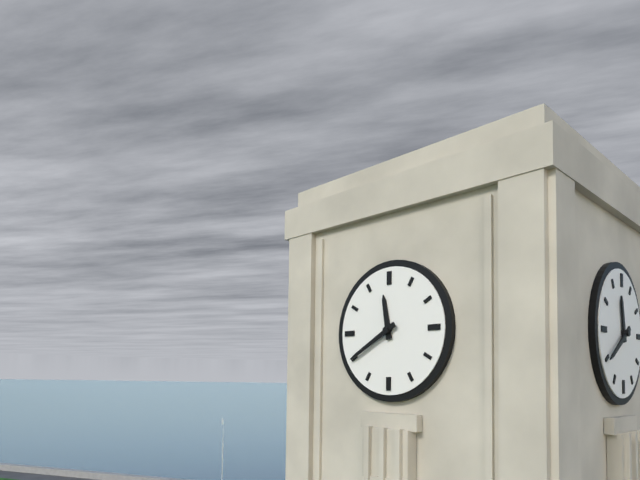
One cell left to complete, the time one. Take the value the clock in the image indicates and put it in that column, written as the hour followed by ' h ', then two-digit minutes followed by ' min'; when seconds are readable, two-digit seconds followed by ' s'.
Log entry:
11 h 40 min
